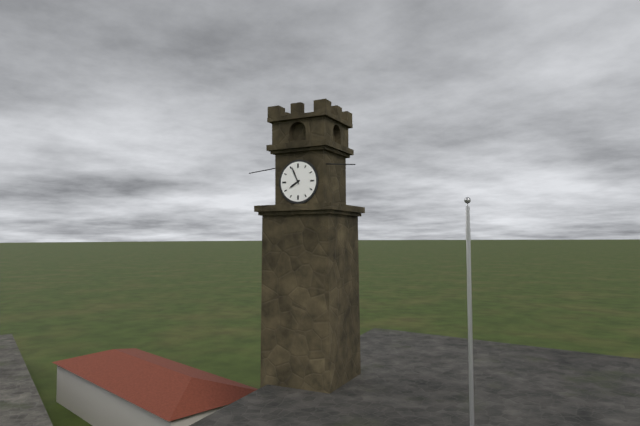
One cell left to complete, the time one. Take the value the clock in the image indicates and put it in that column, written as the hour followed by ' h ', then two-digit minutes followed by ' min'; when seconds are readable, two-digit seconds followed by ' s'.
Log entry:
7 h 56 min
